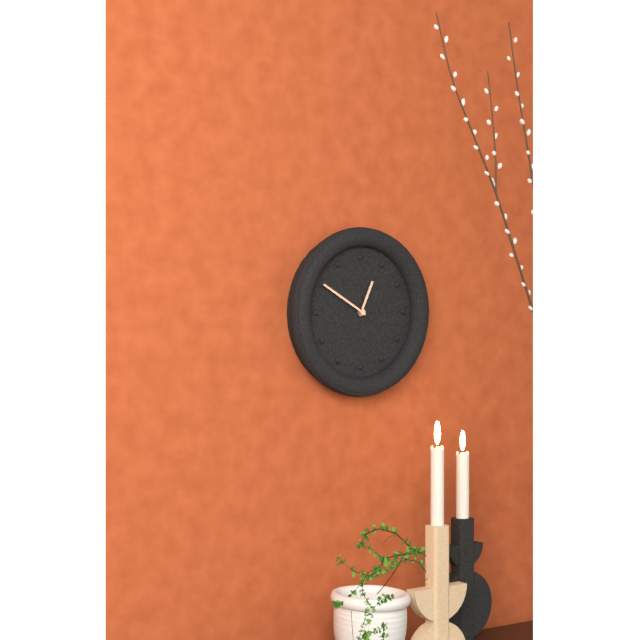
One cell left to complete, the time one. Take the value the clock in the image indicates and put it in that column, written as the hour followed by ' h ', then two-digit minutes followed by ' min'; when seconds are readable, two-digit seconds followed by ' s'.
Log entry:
12 h 50 min
